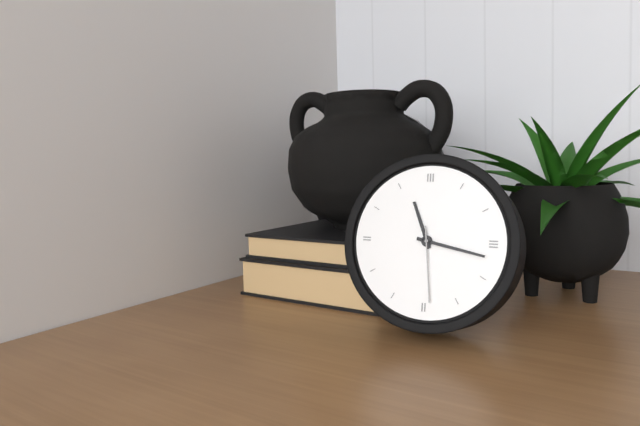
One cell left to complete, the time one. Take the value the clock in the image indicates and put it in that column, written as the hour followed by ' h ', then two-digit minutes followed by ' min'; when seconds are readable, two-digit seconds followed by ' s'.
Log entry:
11 h 17 min 29 s
